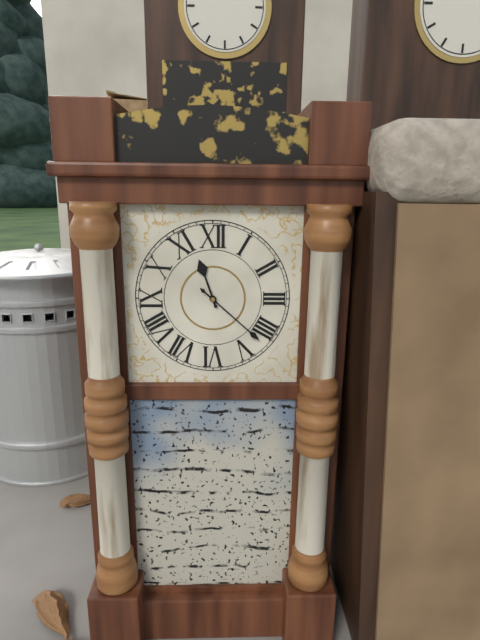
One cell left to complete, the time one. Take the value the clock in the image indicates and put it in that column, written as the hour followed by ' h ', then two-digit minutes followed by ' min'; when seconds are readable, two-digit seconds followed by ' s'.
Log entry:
11 h 22 min
